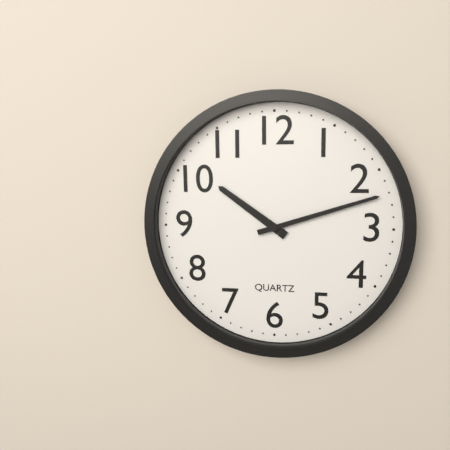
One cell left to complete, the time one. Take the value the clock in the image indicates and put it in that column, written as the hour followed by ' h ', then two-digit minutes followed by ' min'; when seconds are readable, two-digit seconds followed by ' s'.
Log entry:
10 h 12 min
